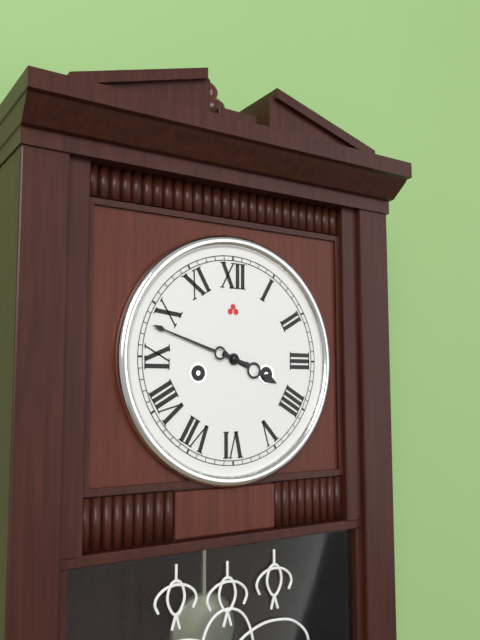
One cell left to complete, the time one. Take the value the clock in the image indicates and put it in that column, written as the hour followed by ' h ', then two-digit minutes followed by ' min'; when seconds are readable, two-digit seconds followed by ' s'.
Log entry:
3 h 48 min
